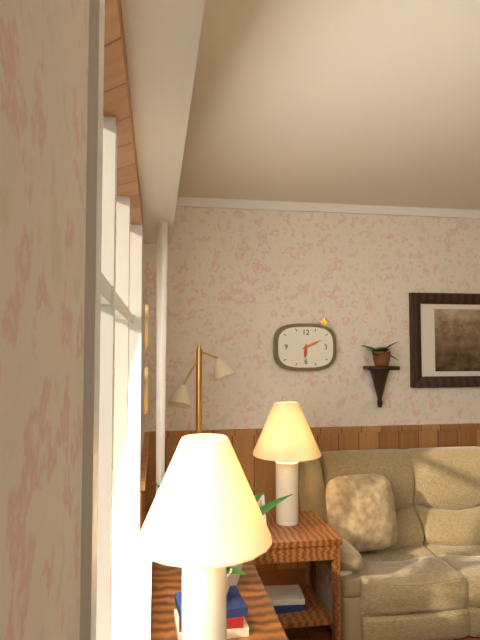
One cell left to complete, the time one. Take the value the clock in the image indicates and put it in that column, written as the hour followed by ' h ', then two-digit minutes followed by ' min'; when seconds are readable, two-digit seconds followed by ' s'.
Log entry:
6 h 11 min
